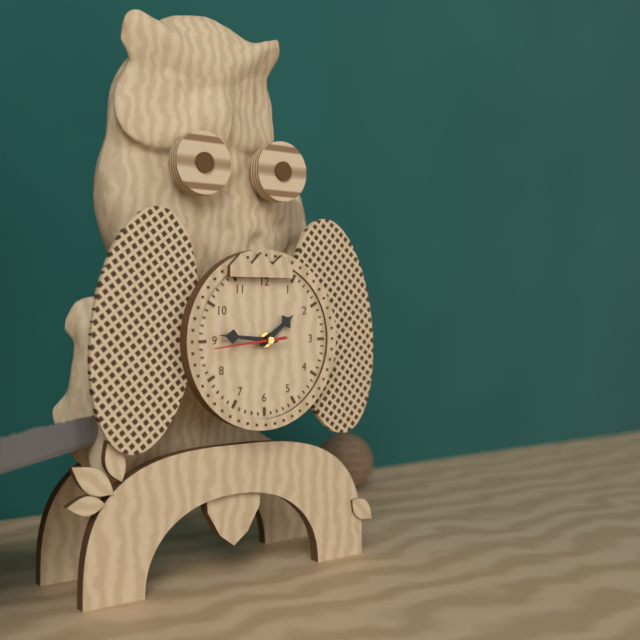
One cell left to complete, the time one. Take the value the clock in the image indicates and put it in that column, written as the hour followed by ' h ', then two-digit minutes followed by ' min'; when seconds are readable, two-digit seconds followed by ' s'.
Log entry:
1 h 46 min 44 s
